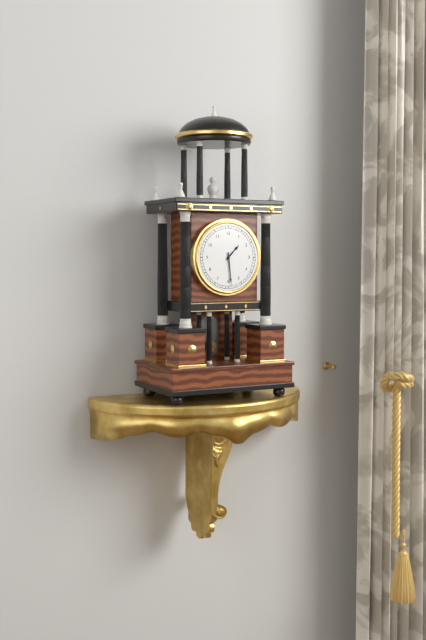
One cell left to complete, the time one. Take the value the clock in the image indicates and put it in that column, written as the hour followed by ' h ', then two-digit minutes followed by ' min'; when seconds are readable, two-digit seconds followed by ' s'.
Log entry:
1 h 29 min
